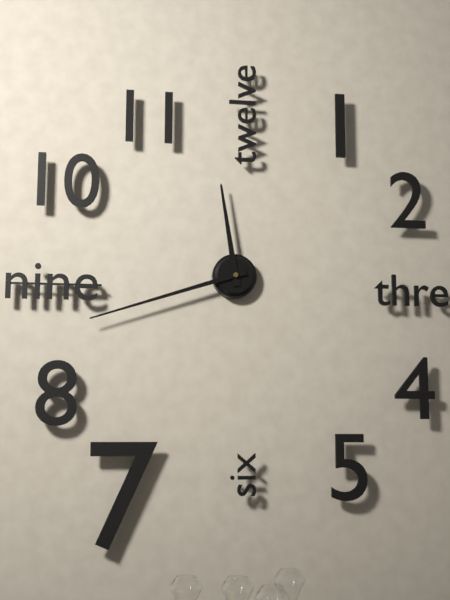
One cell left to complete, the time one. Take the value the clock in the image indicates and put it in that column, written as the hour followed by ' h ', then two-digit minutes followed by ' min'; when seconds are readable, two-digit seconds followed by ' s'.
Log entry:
11 h 42 min
